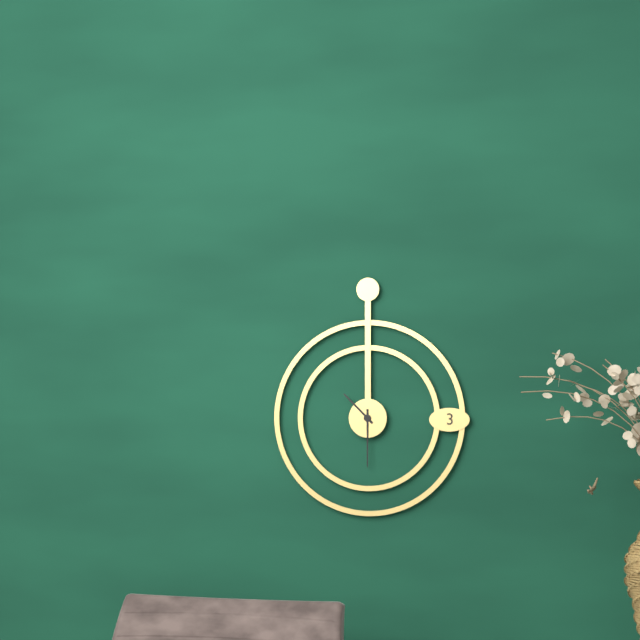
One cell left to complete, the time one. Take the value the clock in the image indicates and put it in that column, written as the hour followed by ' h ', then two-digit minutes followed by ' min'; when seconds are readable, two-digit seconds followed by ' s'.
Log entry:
10 h 30 min
